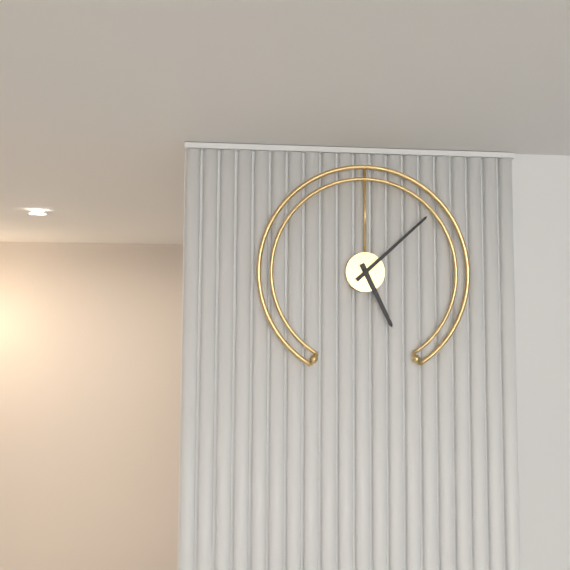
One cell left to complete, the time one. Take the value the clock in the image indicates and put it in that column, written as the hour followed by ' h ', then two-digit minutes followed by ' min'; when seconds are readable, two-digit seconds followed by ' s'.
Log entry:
5 h 08 min
